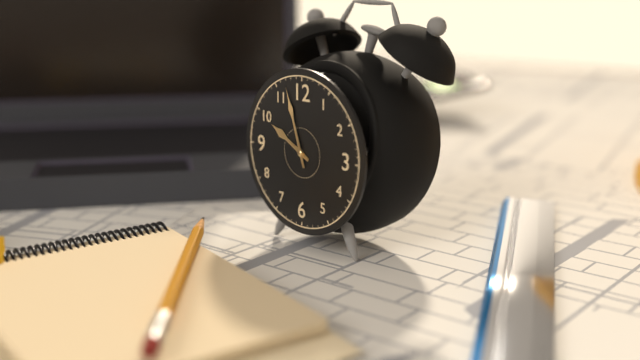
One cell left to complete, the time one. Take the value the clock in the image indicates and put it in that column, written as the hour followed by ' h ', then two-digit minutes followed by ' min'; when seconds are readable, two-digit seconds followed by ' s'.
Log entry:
9 h 57 min
